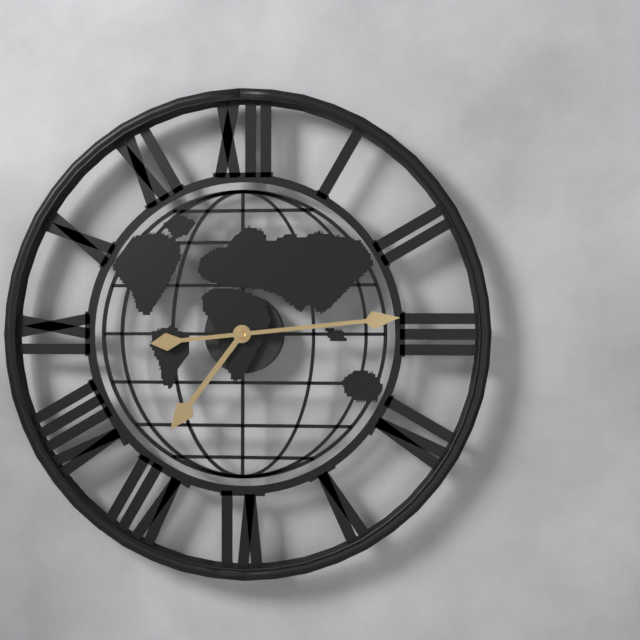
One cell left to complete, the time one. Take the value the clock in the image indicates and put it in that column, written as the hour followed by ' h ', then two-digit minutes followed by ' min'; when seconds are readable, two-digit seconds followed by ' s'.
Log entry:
7 h 14 min
